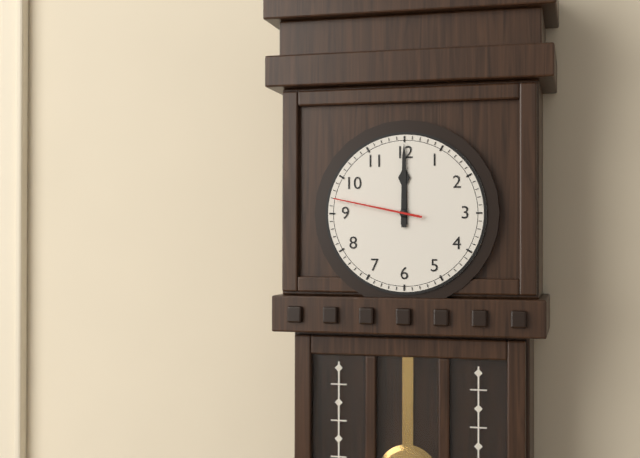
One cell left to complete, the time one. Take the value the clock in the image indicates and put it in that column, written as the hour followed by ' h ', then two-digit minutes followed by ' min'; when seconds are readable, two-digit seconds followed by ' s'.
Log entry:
12 h 00 min 47 s
